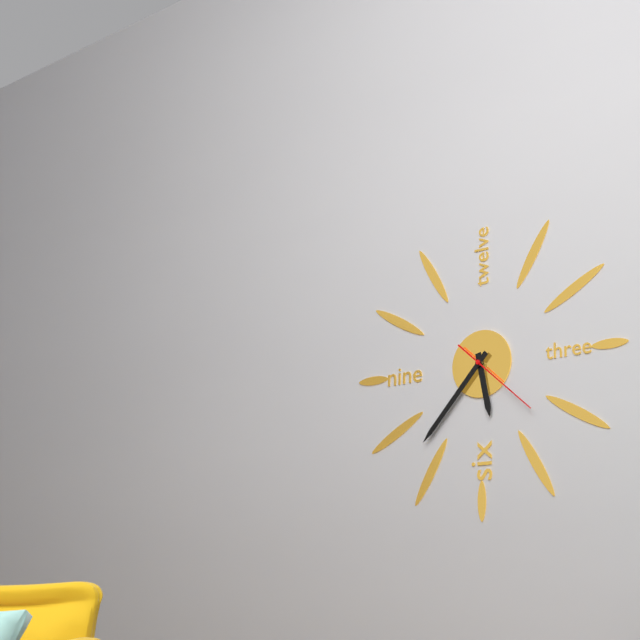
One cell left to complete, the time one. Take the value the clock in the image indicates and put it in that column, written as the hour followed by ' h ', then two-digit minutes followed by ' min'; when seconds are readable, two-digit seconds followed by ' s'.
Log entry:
5 h 37 min 22 s
